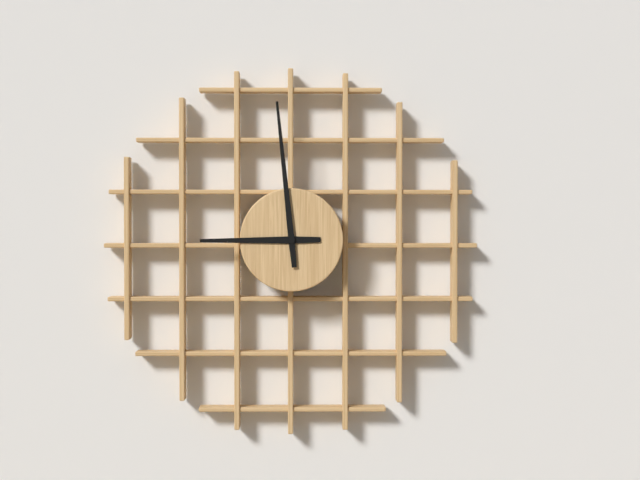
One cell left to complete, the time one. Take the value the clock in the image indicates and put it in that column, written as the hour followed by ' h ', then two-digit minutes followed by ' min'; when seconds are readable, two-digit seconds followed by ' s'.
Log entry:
8 h 59 min
